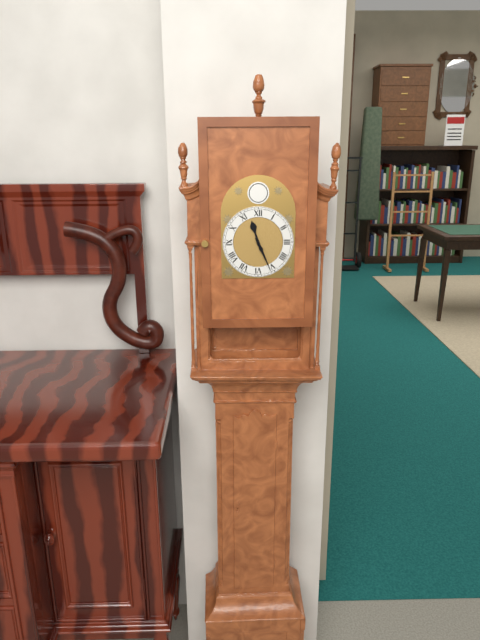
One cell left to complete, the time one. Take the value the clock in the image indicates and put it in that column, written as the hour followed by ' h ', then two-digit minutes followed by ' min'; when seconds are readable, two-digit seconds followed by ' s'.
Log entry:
11 h 26 min
